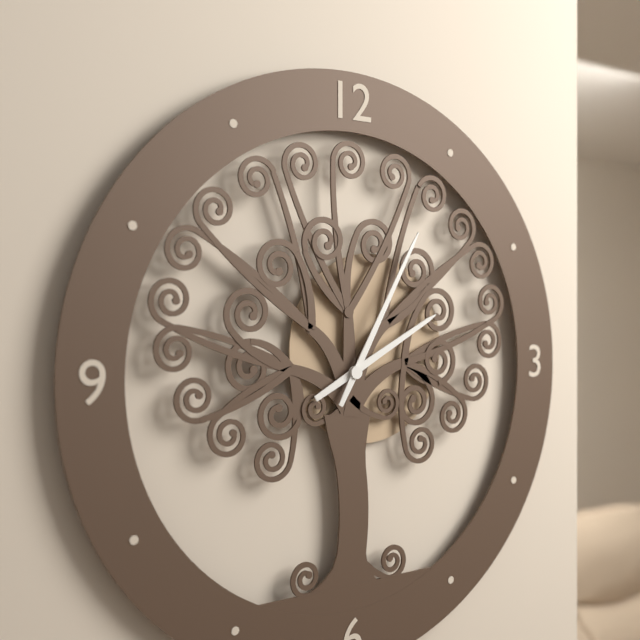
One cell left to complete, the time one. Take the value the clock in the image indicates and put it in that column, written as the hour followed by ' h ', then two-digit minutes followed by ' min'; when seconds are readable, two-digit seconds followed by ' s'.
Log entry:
2 h 05 min
